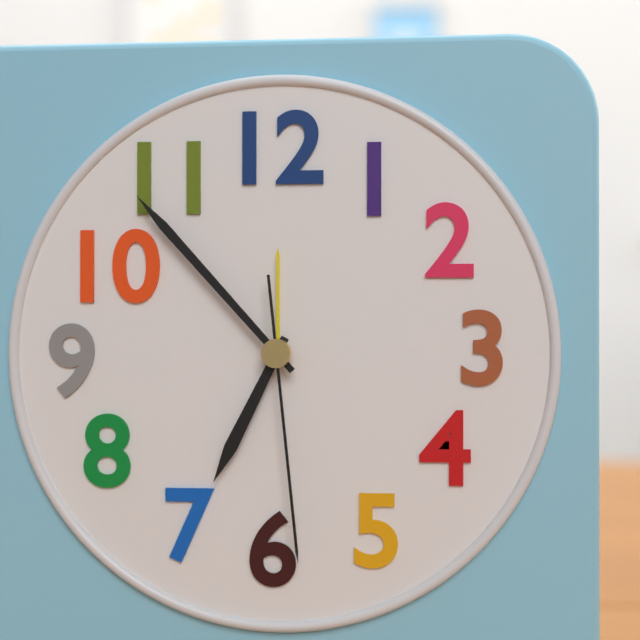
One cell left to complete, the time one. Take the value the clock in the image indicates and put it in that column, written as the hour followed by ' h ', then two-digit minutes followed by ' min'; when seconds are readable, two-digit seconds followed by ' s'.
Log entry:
6 h 53 min 29 s
